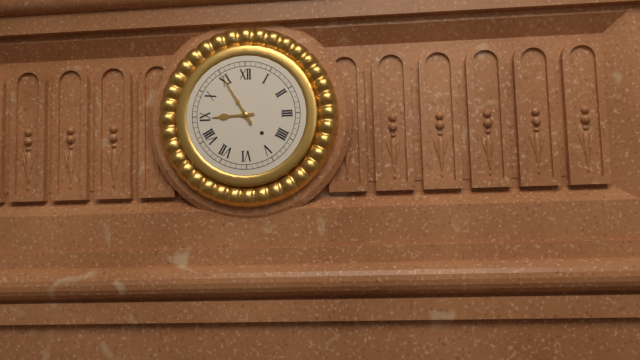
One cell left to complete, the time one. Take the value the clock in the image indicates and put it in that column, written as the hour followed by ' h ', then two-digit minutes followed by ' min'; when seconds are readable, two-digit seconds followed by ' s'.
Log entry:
8 h 55 min
